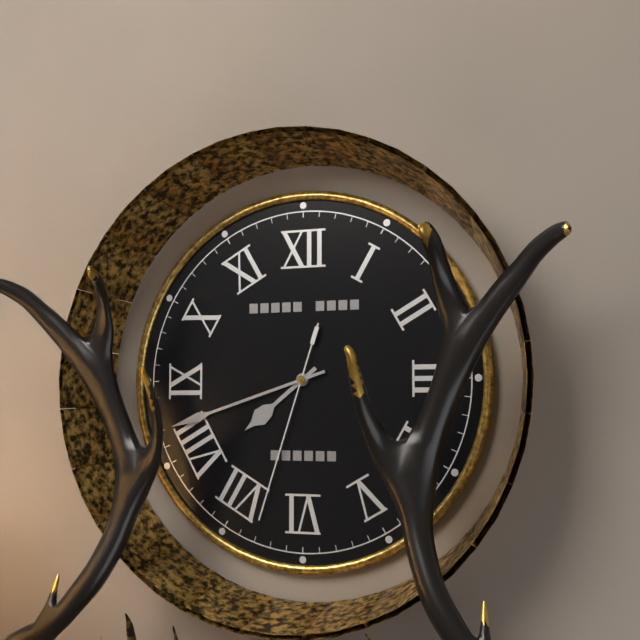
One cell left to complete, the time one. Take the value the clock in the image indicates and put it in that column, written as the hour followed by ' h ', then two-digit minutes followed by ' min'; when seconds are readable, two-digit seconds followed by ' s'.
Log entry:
7 h 42 min 33 s
